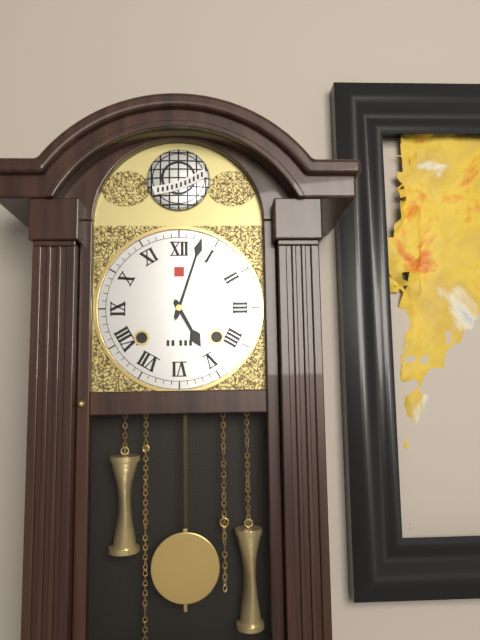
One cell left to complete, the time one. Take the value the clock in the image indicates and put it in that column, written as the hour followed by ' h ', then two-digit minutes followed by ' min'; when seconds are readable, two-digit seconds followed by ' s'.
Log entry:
5 h 03 min
